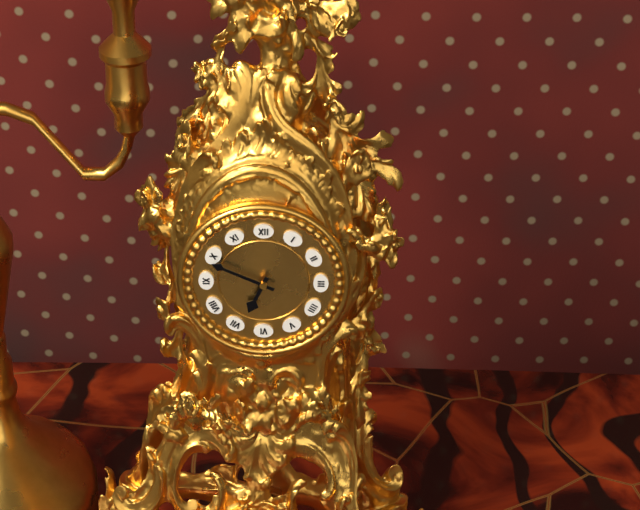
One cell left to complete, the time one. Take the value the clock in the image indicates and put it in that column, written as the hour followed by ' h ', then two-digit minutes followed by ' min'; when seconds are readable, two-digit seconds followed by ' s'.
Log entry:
6 h 49 min
